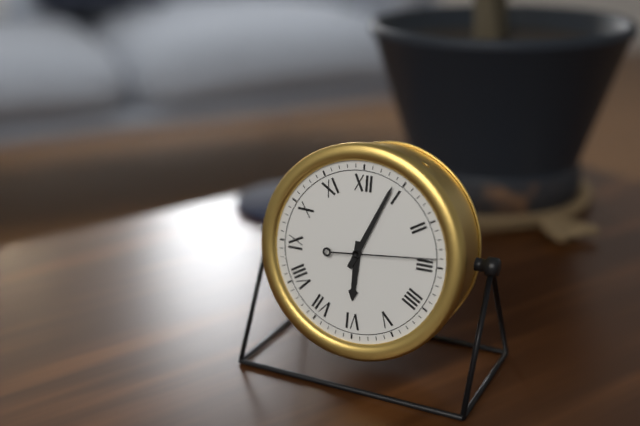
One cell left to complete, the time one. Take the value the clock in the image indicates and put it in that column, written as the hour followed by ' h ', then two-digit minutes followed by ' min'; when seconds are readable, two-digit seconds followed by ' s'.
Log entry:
6 h 04 min 14 s
